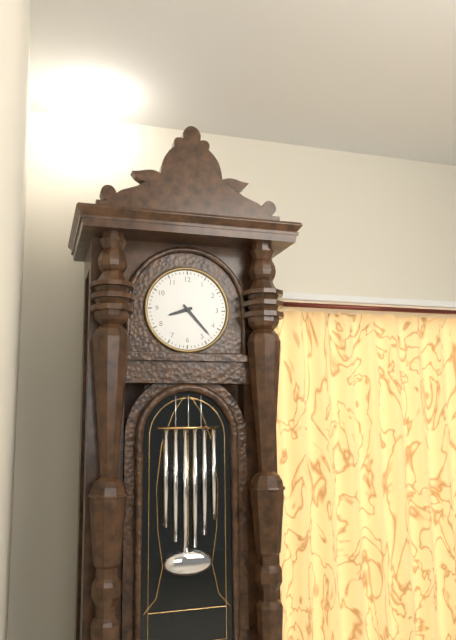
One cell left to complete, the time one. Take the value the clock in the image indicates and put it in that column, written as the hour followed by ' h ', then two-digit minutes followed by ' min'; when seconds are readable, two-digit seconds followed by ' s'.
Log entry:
8 h 23 min
